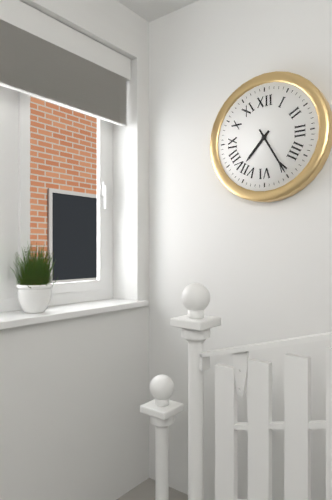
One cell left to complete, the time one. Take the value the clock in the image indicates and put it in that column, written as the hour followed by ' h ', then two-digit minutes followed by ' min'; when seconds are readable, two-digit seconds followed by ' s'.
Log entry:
7 h 25 min
